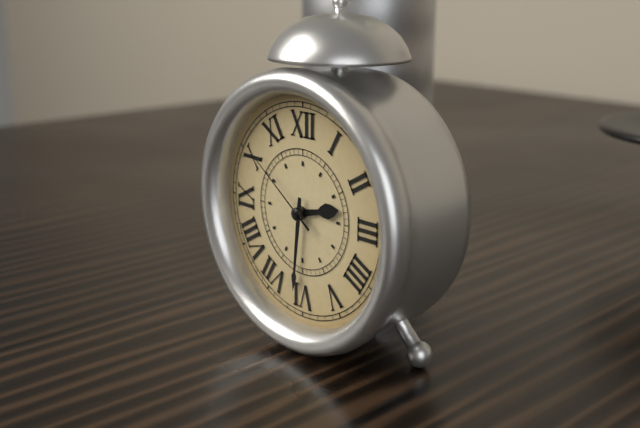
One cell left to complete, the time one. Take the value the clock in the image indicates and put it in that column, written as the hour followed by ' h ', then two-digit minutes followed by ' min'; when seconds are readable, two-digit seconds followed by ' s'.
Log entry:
2 h 31 min 51 s
